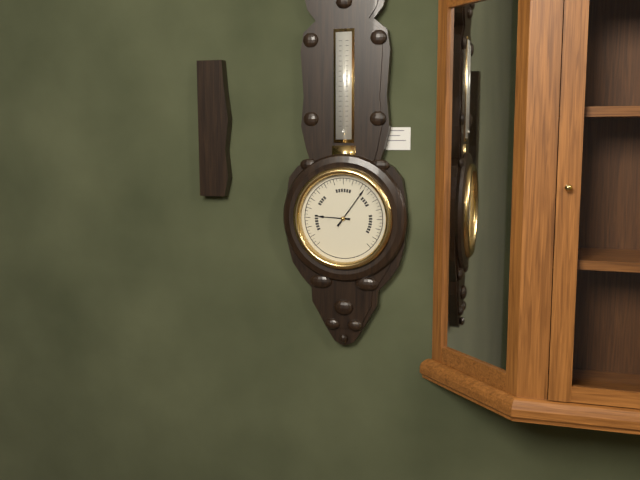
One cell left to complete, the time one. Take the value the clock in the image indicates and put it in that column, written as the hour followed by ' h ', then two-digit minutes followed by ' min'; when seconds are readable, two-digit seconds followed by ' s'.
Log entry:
9 h 06 min
